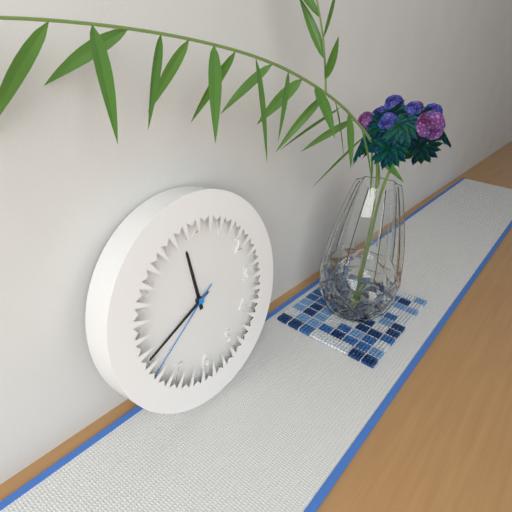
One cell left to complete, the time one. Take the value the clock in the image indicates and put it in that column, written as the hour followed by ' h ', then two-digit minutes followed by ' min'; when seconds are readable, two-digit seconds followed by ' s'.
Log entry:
11 h 41 min 39 s
